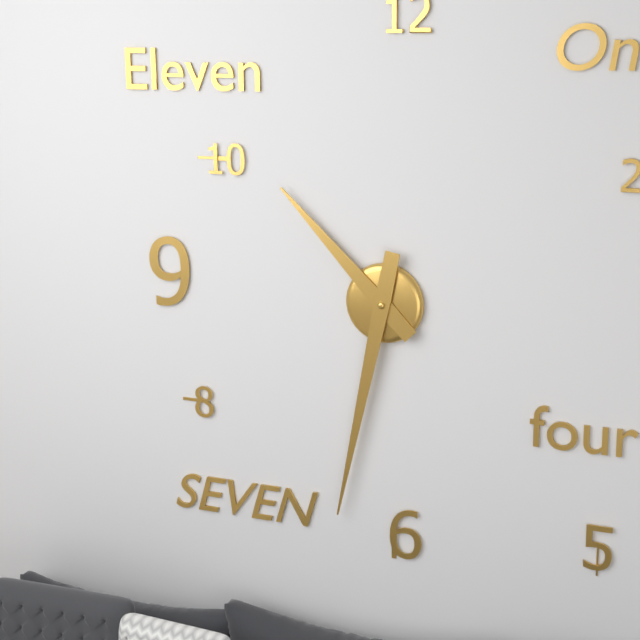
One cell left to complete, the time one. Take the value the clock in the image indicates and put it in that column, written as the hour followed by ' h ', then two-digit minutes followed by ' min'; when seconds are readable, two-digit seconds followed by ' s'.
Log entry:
10 h 32 min
